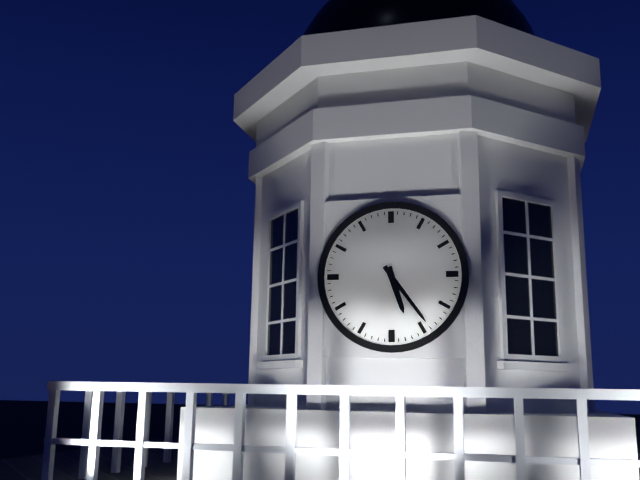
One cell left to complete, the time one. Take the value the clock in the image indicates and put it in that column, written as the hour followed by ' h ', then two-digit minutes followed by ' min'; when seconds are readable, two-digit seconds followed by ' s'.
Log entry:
5 h 24 min
